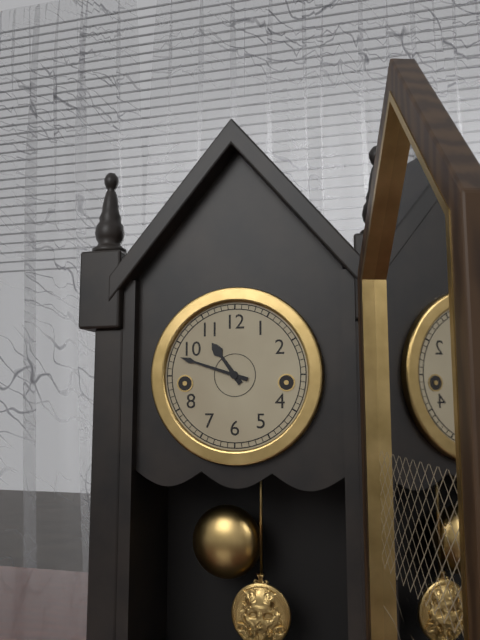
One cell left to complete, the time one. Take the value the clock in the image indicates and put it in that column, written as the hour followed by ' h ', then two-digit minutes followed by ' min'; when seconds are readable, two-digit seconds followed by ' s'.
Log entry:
10 h 48 min
